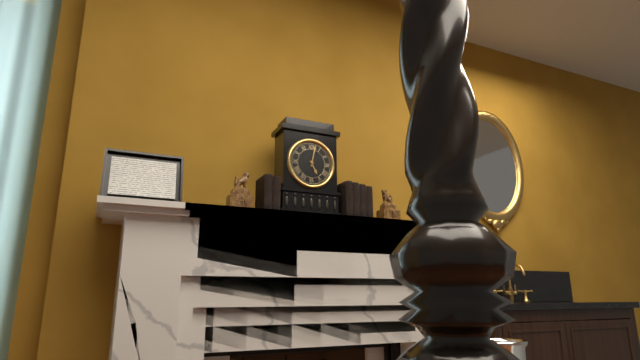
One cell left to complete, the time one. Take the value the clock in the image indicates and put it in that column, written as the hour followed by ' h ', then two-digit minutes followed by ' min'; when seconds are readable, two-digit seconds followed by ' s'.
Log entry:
5 h 02 min
